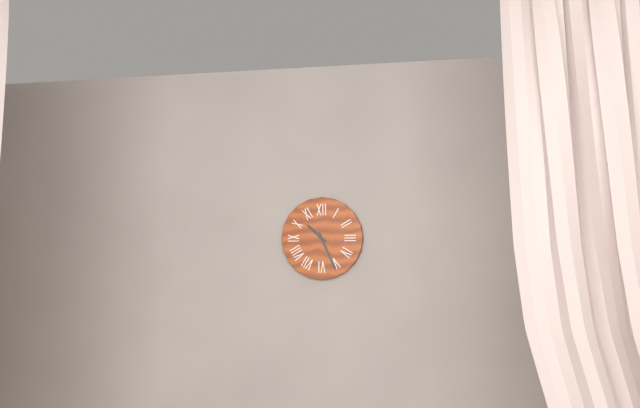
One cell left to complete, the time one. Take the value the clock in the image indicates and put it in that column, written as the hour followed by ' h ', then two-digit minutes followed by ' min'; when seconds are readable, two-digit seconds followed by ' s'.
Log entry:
10 h 26 min
